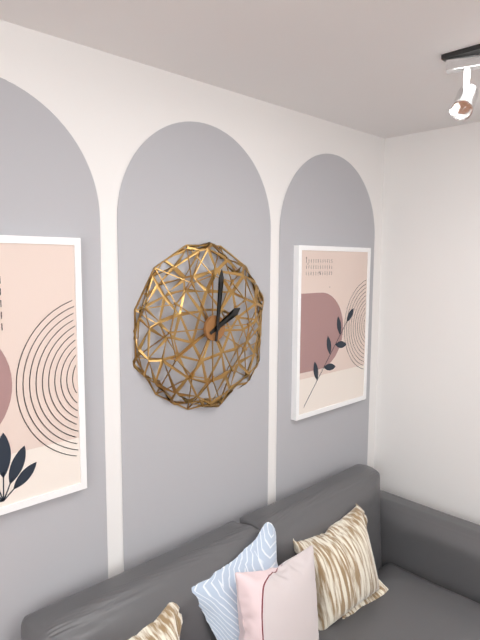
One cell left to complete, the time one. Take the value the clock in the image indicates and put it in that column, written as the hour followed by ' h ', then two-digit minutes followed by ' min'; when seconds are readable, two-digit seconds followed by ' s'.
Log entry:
2 h 01 min
